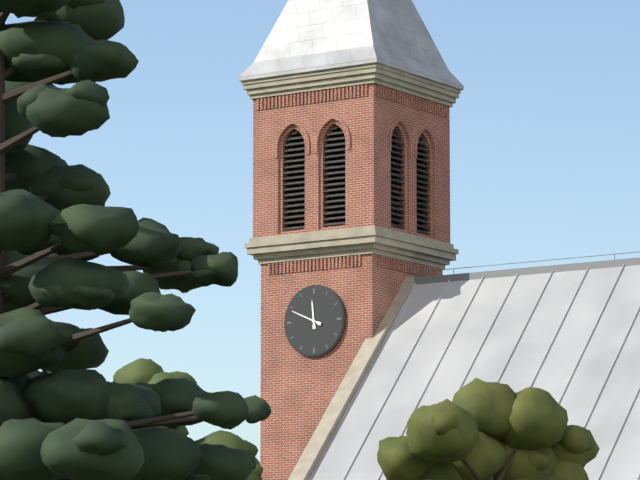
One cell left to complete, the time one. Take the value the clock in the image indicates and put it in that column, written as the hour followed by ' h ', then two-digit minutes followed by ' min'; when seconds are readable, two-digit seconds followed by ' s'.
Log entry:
11 h 49 min
